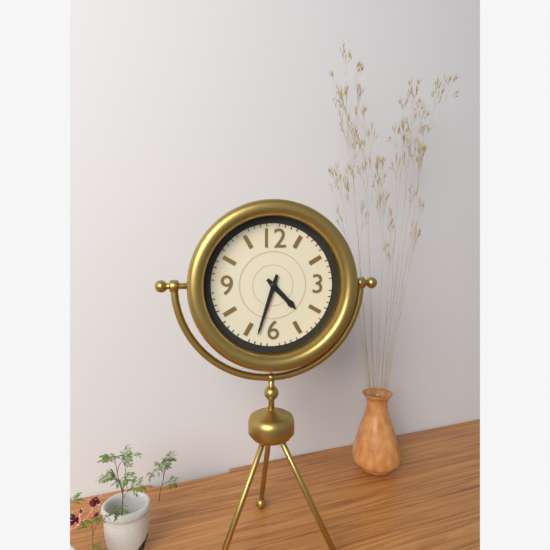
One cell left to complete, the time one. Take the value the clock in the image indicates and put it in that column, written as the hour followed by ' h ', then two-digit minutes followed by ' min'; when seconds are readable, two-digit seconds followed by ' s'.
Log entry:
4 h 33 min
